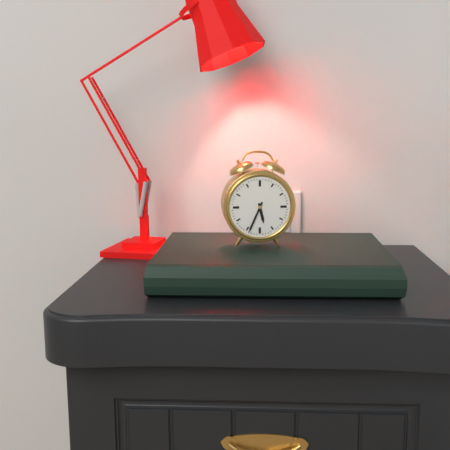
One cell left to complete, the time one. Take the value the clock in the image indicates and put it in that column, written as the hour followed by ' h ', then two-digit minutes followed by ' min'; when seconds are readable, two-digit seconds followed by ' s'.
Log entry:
5 h 34 min
